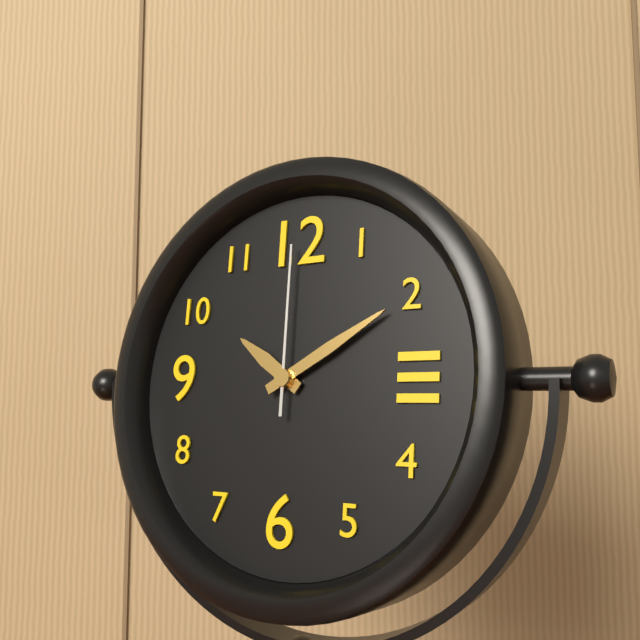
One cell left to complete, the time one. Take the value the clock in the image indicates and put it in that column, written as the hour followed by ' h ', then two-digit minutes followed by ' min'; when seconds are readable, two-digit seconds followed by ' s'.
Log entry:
10 h 10 min 00 s
